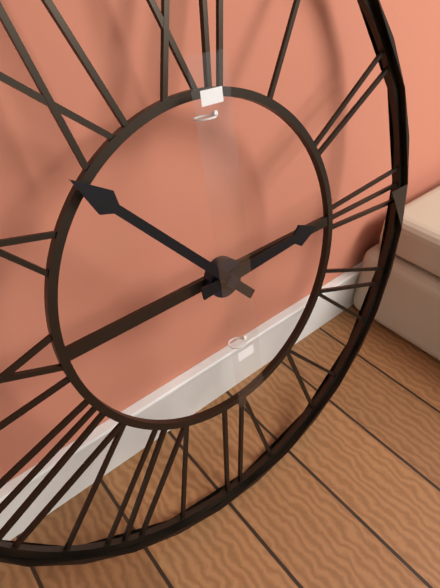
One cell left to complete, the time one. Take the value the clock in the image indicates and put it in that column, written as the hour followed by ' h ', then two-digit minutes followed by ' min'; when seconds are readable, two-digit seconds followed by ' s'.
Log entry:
2 h 53 min
